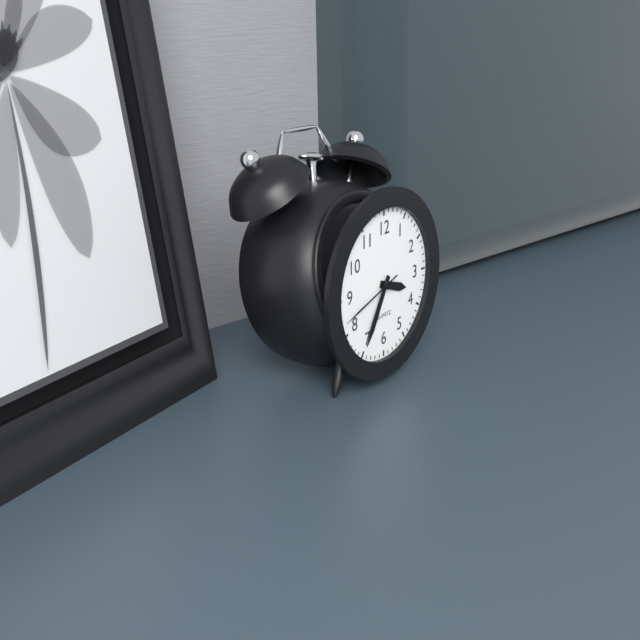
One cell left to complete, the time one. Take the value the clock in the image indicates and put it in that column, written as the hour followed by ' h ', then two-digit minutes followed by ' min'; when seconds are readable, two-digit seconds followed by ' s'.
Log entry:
3 h 35 min 42 s
